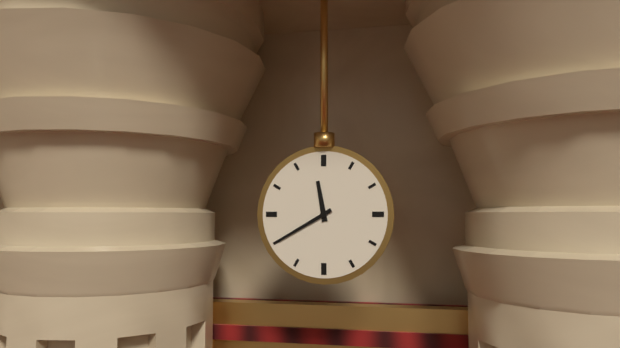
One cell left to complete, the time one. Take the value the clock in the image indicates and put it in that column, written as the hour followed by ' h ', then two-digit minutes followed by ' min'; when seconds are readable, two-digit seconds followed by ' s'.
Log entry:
11 h 40 min
